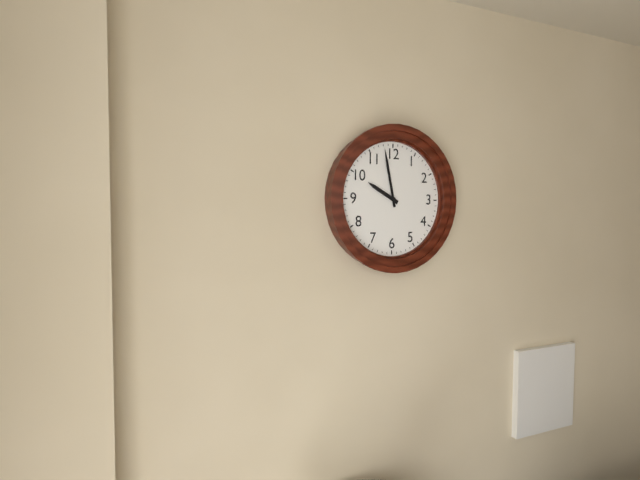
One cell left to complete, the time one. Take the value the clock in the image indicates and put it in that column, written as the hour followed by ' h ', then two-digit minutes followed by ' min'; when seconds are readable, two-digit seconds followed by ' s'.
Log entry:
9 h 58 min
